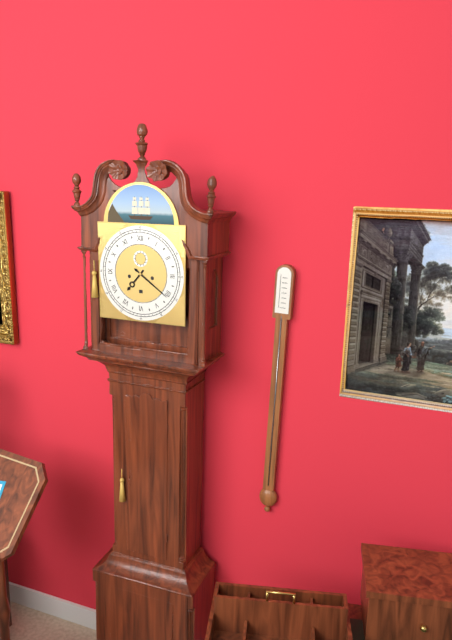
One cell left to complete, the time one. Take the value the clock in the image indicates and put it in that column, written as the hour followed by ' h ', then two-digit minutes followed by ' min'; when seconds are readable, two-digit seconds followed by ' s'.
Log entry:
7 h 21 min
